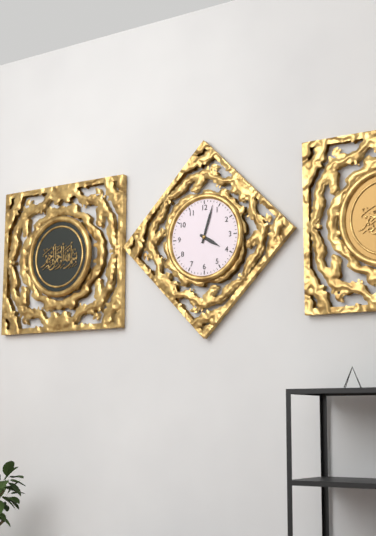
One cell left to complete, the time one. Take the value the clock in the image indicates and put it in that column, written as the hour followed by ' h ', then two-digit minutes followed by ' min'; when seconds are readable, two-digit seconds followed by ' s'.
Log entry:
4 h 03 min
